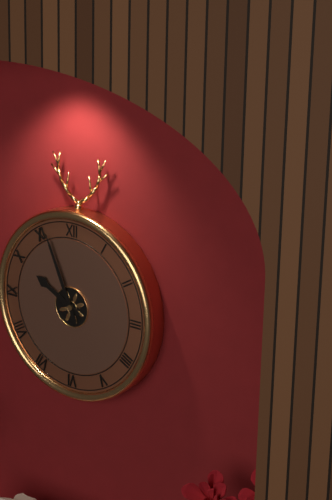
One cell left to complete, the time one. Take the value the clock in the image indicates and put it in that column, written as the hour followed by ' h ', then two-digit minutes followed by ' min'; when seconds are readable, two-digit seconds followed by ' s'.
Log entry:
9 h 56 min
